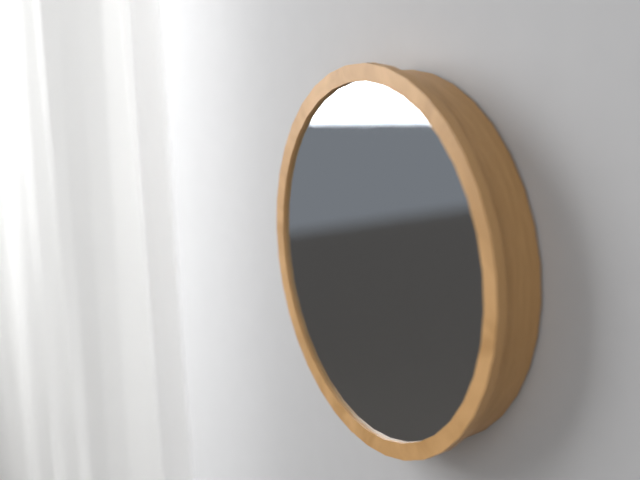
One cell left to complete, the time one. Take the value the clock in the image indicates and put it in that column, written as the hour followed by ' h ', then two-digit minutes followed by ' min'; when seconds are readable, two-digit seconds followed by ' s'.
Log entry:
9 h 17 min
